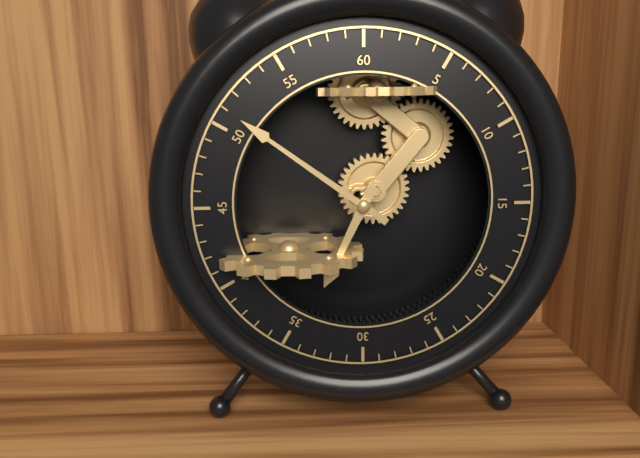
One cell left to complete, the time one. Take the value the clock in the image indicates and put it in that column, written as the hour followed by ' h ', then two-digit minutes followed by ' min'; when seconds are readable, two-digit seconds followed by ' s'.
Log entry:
6 h 51 min
